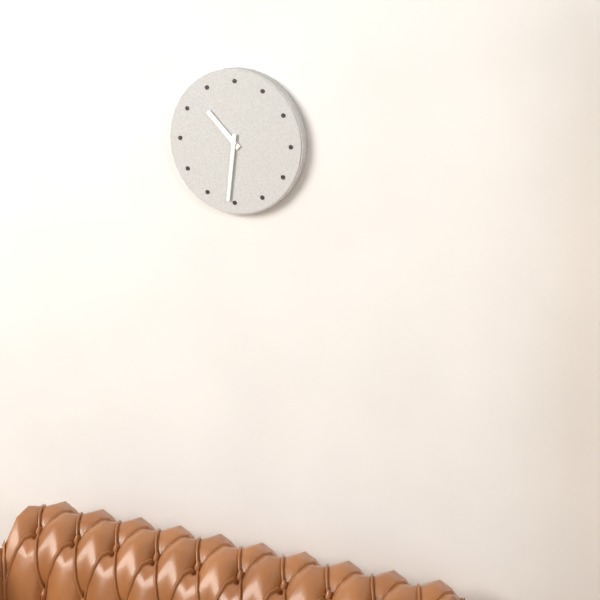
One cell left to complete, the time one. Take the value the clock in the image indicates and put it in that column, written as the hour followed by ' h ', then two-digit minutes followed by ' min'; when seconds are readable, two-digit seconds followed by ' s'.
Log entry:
10 h 31 min
